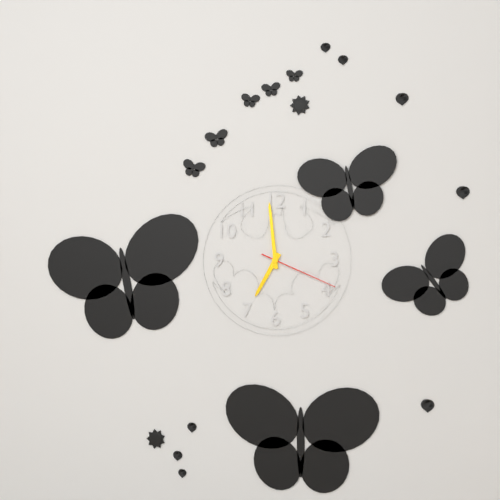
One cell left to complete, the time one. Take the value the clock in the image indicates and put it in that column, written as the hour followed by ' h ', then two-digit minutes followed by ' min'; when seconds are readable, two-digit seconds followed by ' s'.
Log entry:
6 h 59 min 19 s
